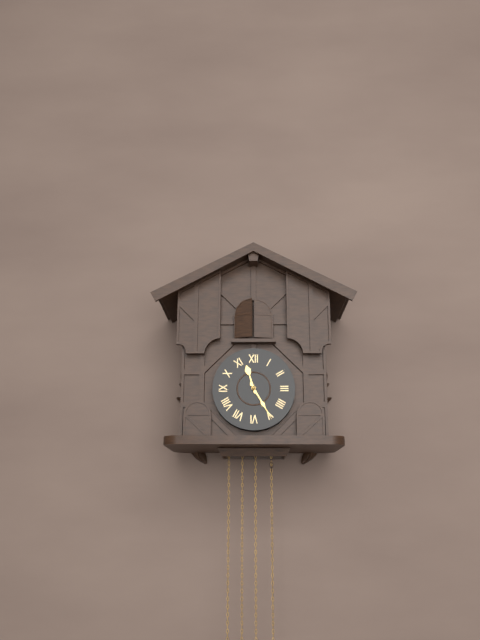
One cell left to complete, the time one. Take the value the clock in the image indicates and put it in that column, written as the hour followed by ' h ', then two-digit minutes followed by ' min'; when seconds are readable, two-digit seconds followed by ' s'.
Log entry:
11 h 25 min
